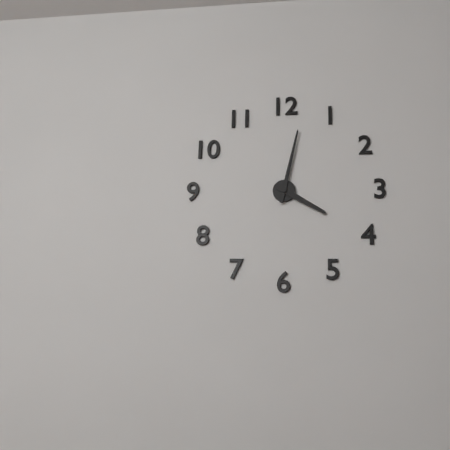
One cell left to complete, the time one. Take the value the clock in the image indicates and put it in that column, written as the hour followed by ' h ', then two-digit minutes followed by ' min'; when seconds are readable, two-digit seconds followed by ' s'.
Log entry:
4 h 02 min
